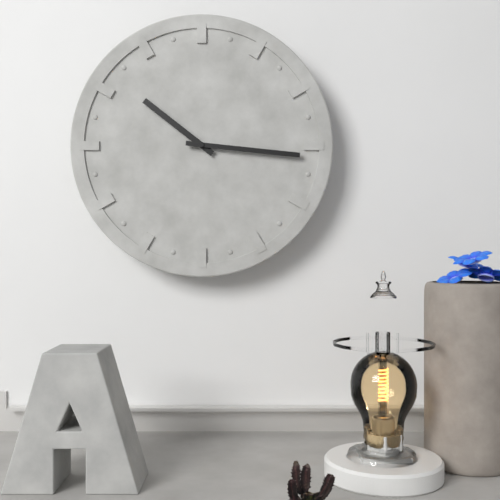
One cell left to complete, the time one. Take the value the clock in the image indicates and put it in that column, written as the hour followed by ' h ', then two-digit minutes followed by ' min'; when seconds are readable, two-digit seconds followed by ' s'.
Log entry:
10 h 16 min
